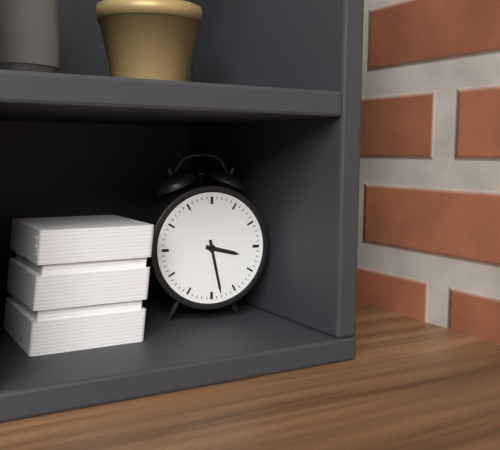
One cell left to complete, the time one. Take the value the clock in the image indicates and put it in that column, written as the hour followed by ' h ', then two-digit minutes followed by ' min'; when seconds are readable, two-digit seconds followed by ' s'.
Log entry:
3 h 28 min
